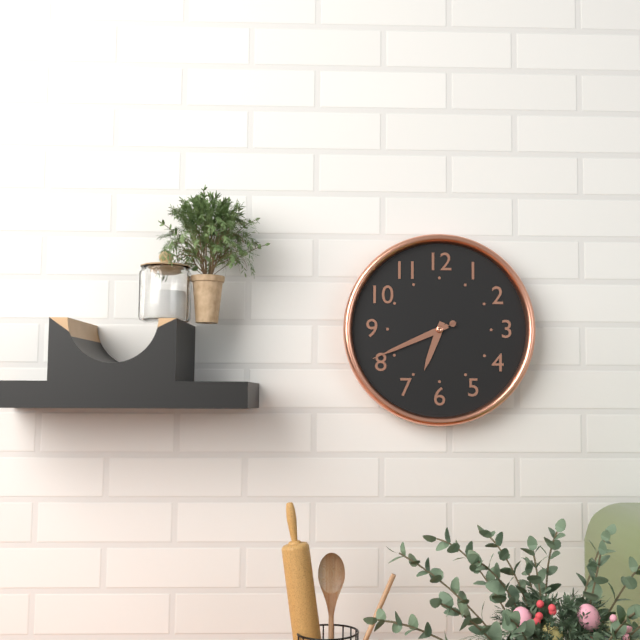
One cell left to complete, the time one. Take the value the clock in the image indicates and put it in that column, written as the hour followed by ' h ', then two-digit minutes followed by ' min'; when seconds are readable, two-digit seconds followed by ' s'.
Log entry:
6 h 41 min 41 s
